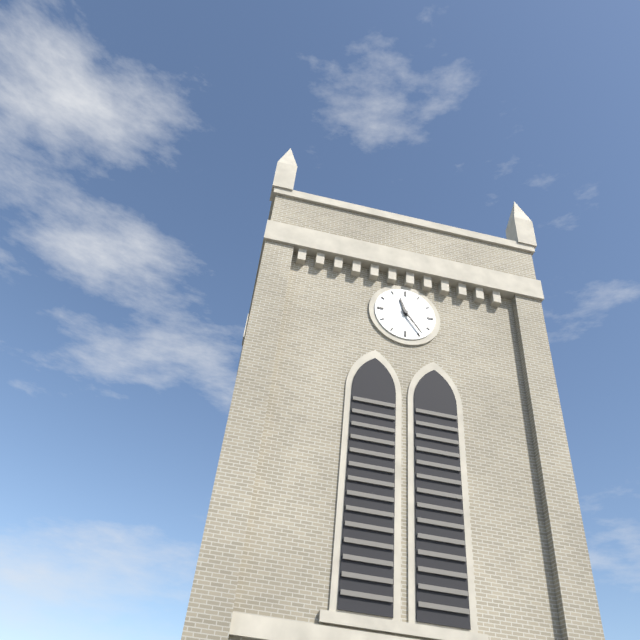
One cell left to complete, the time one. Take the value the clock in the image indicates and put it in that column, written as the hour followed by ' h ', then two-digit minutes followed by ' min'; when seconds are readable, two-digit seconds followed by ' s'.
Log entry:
11 h 24 min
